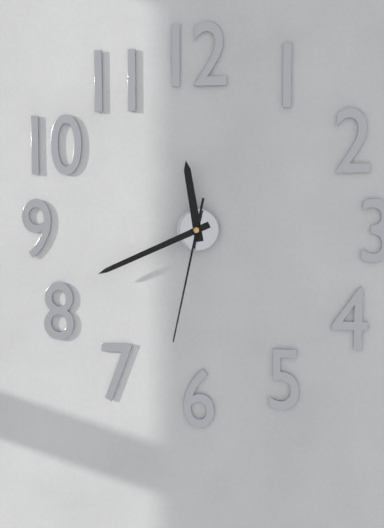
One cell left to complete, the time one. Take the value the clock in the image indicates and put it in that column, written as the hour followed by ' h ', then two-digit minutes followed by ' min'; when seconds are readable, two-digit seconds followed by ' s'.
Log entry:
11 h 41 min 32 s
